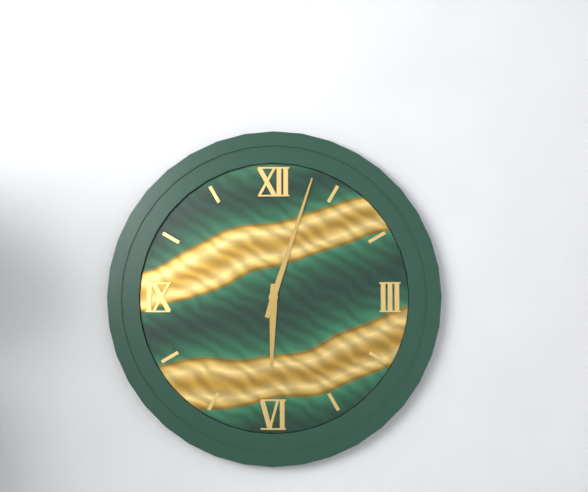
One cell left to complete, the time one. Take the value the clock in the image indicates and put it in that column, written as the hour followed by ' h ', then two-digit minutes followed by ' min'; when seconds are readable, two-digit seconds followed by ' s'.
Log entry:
6 h 03 min
